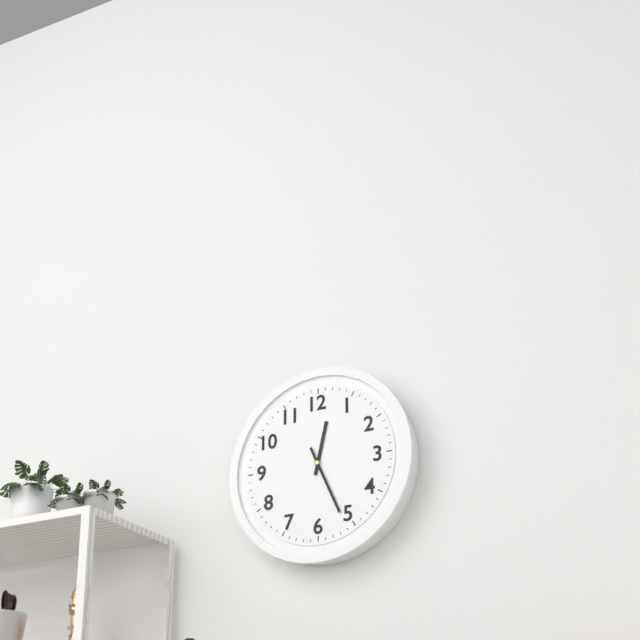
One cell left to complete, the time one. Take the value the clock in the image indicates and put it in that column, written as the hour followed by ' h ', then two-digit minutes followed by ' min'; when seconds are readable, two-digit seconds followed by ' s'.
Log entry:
12 h 26 min
